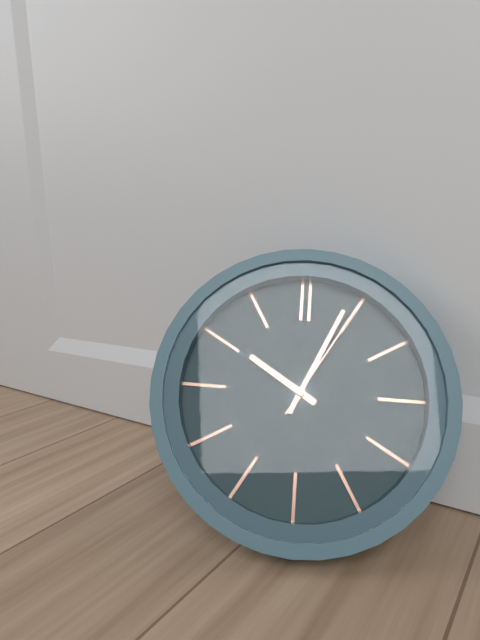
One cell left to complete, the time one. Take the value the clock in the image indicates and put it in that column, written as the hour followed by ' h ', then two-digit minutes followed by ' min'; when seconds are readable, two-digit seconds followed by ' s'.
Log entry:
10 h 04 min 05 s
